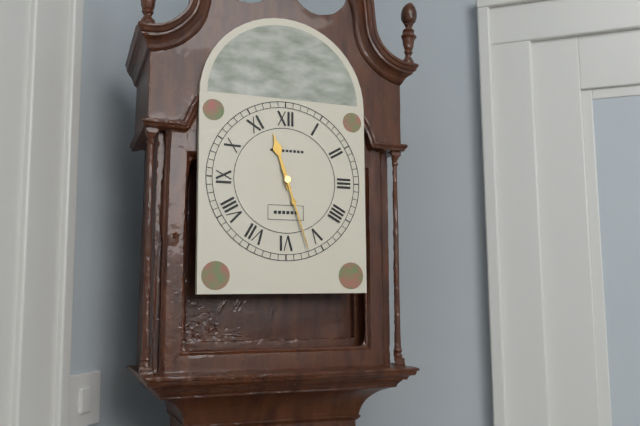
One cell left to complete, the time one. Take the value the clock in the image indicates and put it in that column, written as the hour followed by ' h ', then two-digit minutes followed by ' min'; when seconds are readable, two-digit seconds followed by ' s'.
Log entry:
11 h 27 min
